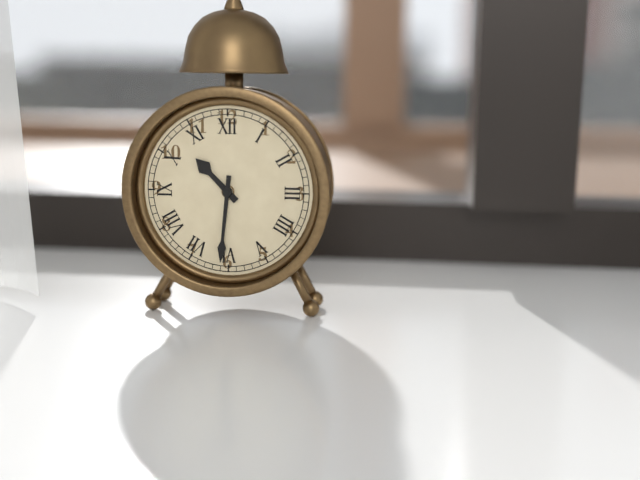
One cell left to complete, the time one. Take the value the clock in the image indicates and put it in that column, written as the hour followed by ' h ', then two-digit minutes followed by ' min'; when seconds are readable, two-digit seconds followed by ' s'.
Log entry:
10 h 31 min
